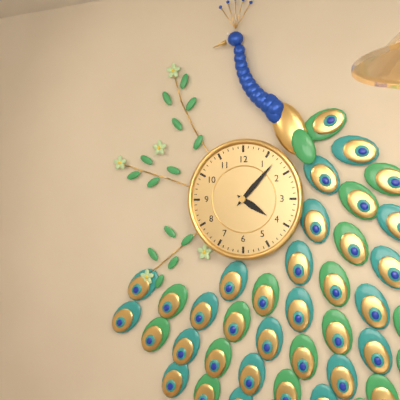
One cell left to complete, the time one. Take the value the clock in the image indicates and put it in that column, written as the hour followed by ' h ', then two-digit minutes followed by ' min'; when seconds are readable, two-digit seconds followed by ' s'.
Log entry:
4 h 07 min
